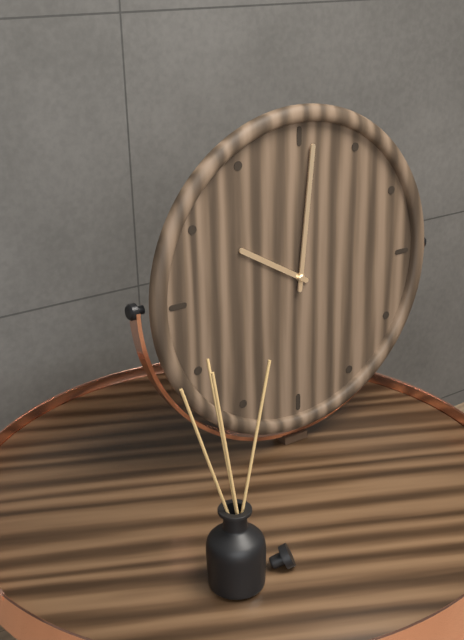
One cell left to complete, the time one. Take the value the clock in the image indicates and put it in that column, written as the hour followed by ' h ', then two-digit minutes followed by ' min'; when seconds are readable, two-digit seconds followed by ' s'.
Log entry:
10 h 01 min
